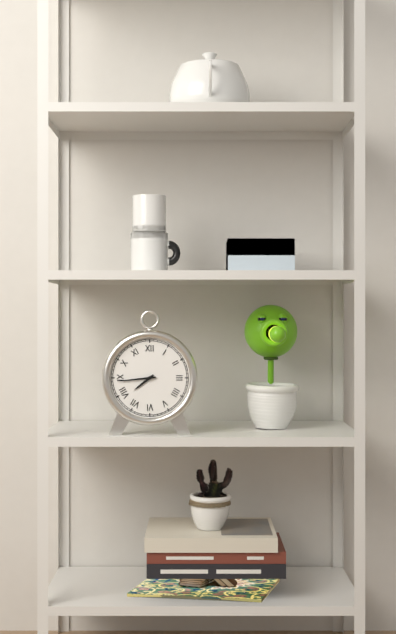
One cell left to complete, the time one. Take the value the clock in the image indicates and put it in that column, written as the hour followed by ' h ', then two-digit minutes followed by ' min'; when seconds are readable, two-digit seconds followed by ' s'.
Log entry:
7 h 44 min
